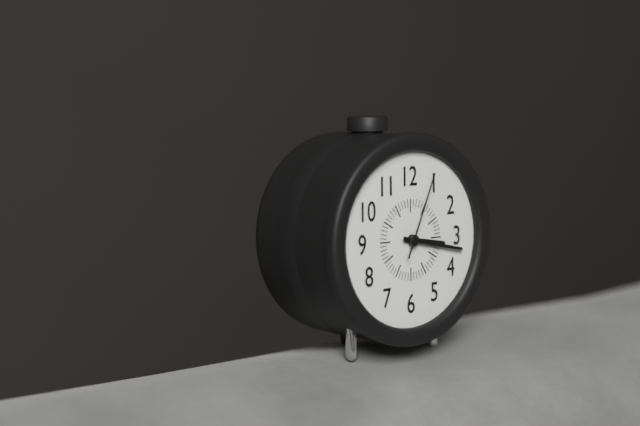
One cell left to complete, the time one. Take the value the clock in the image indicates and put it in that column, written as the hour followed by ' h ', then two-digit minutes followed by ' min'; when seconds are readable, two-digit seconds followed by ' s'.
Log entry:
3 h 17 min 04 s
